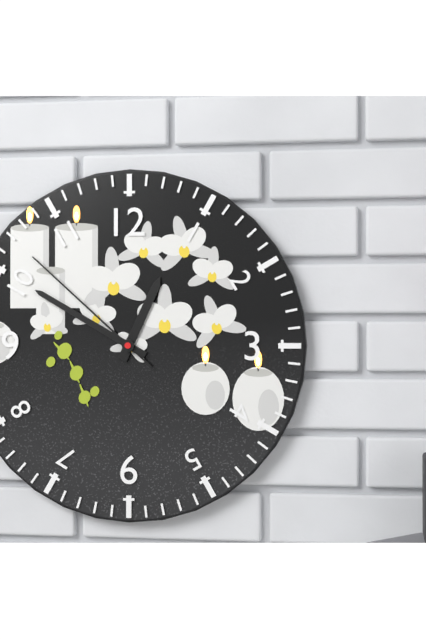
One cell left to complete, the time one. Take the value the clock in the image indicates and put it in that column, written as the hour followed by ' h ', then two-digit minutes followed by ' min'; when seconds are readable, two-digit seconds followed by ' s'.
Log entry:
12 h 50 min 52 s
